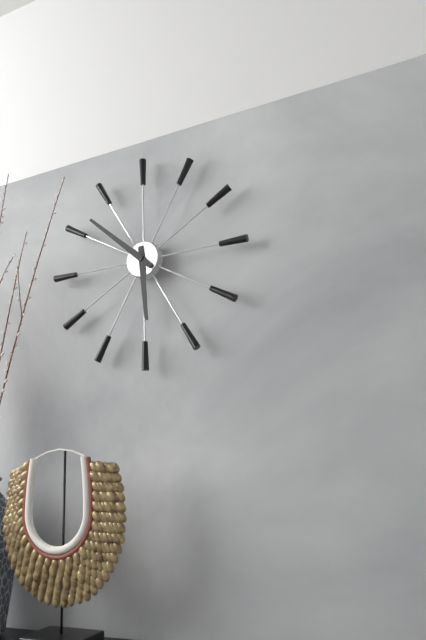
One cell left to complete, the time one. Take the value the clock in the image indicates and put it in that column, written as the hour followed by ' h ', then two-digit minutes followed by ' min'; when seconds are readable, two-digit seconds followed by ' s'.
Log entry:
5 h 52 min
